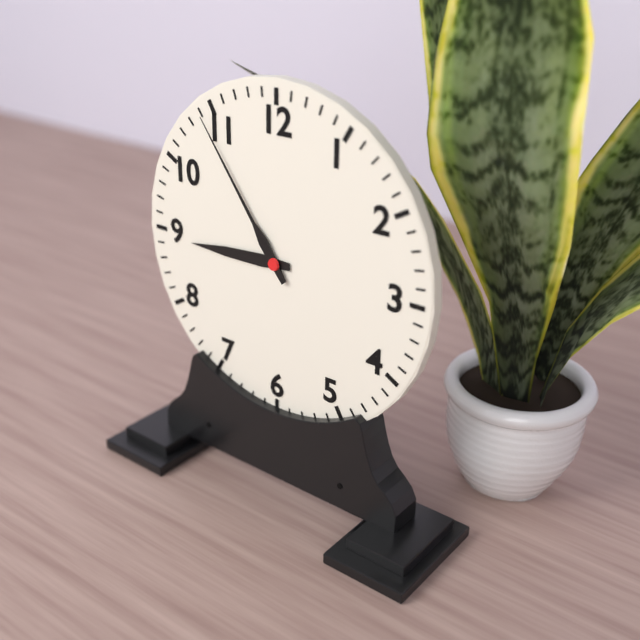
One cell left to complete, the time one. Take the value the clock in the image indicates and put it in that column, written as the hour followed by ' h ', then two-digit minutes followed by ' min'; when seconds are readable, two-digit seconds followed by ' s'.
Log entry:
8 h 54 min
